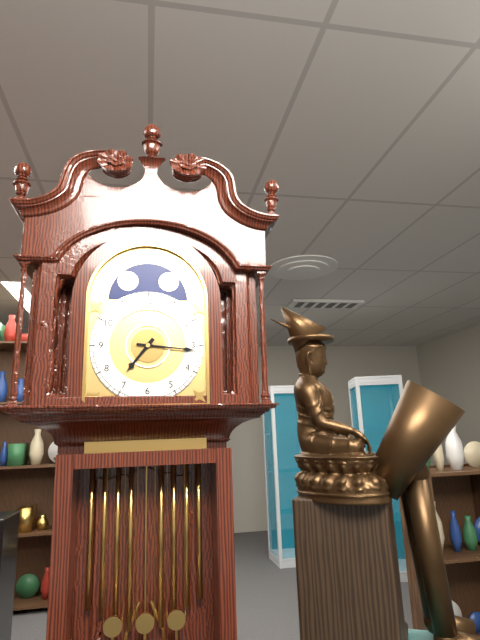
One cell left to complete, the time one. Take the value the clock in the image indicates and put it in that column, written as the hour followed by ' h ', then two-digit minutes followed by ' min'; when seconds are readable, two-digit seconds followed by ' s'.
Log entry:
7 h 16 min
